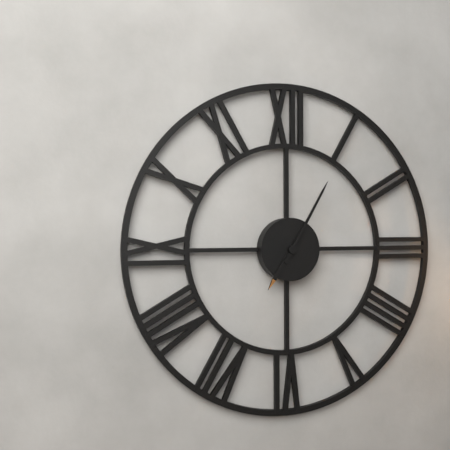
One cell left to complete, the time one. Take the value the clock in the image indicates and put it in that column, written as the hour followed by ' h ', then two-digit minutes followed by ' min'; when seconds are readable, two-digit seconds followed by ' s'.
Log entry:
7 h 05 min
